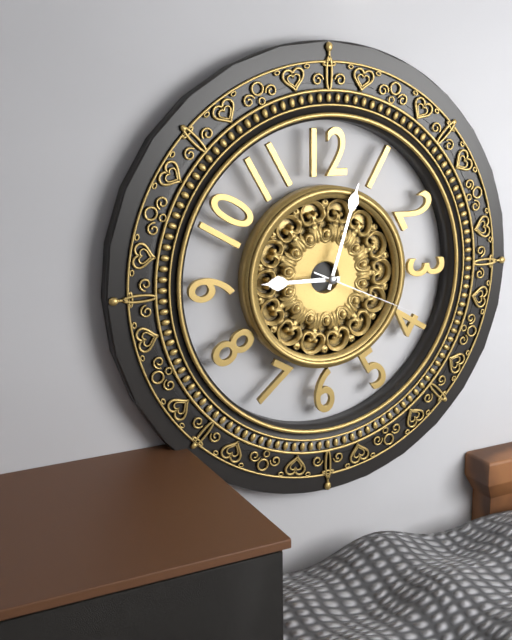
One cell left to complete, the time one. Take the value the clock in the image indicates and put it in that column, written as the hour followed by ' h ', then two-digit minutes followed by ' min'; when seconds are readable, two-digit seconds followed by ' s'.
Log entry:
9 h 03 min 19 s
